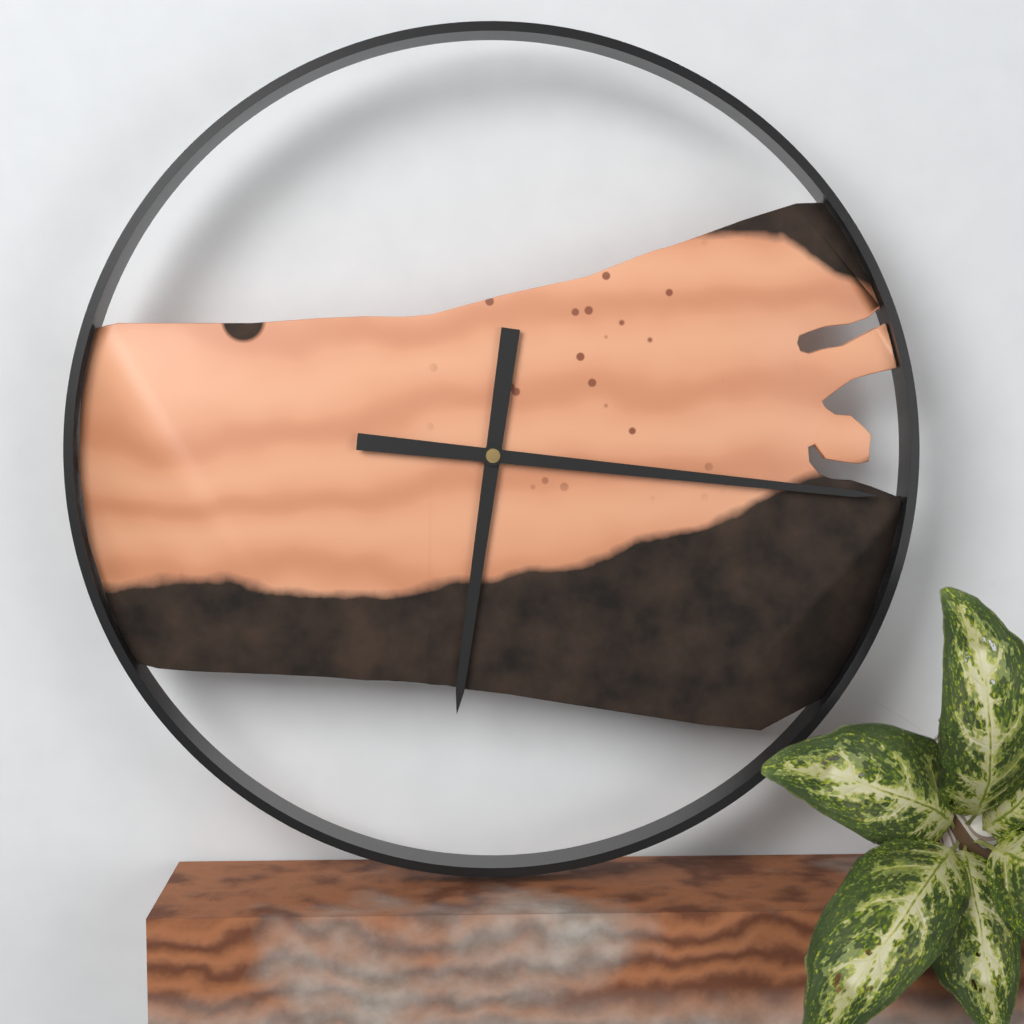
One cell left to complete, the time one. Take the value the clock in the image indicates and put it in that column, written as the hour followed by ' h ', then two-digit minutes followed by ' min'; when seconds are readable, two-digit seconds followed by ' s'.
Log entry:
6 h 16 min
